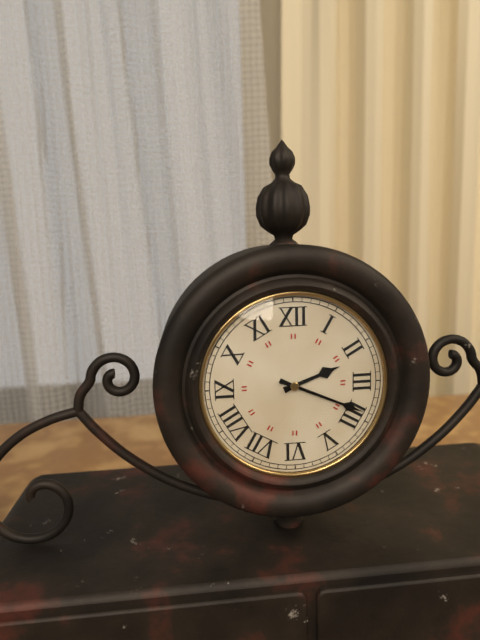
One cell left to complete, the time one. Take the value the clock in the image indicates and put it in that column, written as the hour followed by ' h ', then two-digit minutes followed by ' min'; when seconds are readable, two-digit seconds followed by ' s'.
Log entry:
2 h 19 min
